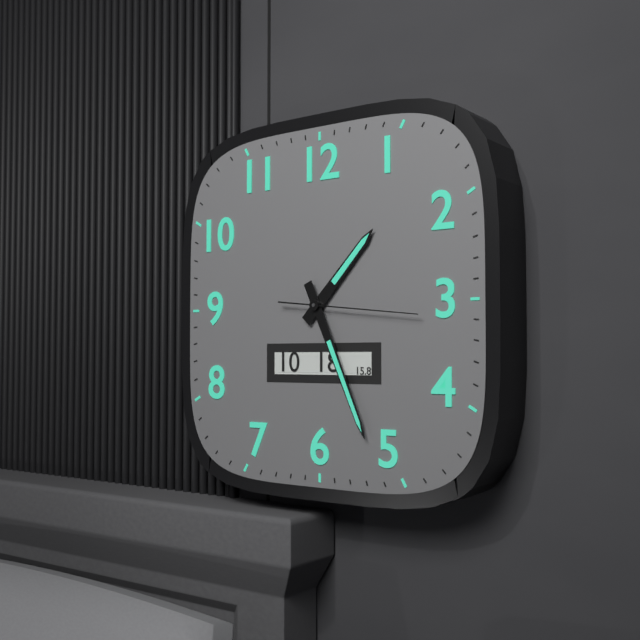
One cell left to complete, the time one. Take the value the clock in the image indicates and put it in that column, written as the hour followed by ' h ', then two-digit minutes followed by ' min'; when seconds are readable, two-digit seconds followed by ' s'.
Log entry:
1 h 26 min 16 s
